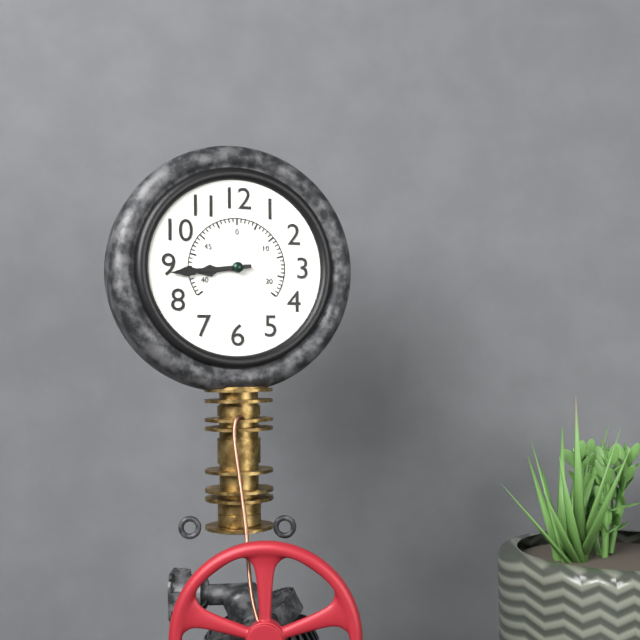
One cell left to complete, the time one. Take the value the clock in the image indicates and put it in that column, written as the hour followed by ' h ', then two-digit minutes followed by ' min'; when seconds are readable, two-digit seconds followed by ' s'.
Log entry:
8 h 44 min
